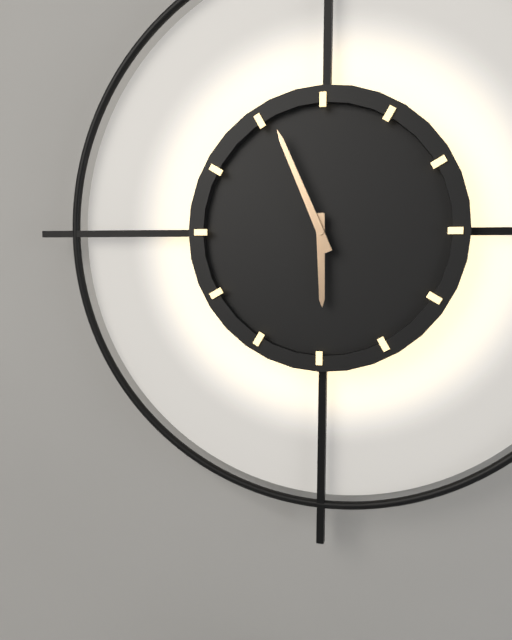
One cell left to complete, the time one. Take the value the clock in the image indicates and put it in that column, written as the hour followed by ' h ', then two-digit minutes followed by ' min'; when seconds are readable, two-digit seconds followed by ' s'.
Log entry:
5 h 56 min
